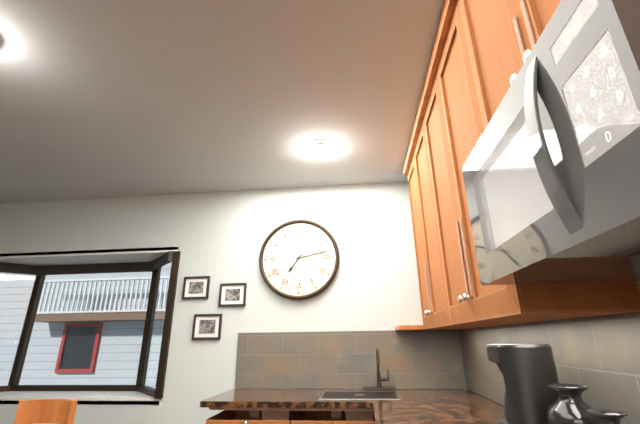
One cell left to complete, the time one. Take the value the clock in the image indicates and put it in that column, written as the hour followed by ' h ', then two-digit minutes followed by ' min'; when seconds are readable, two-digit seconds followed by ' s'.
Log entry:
7 h 13 min
